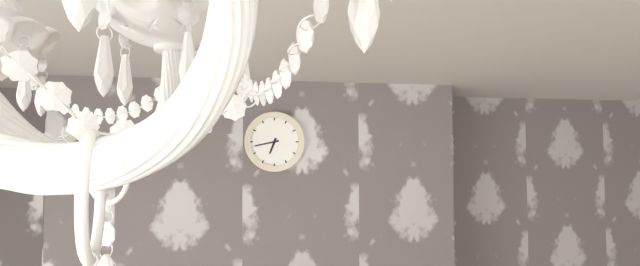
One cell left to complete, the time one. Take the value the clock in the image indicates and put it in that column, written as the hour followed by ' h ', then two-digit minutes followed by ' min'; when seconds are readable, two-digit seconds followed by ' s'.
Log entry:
6 h 43 min
